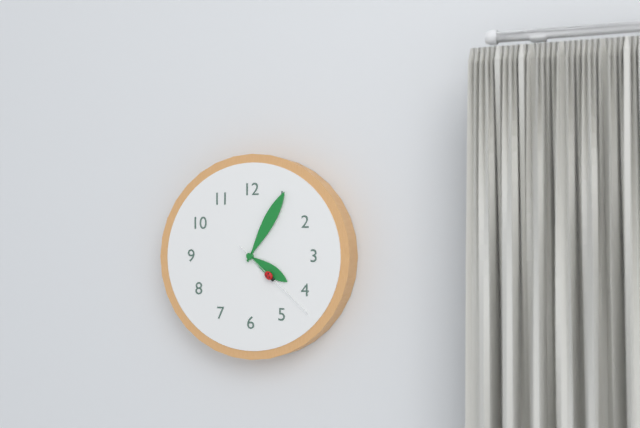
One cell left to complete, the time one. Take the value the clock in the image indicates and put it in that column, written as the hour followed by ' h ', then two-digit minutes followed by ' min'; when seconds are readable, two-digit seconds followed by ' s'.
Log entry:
4 h 05 min 22 s
